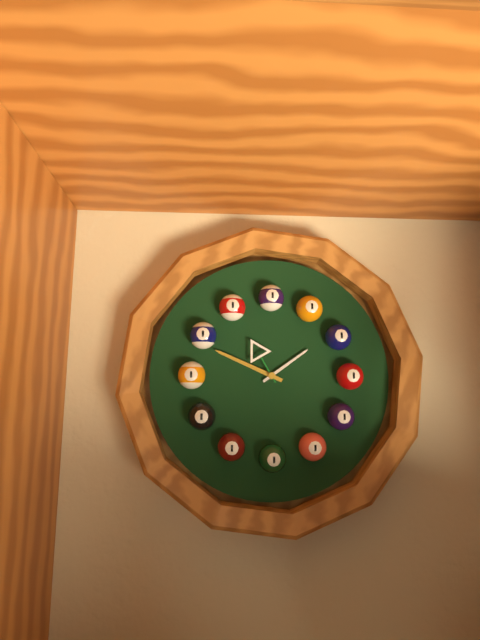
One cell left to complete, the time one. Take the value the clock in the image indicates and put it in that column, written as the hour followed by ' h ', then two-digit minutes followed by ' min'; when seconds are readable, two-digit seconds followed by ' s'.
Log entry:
1 h 49 min 55 s
